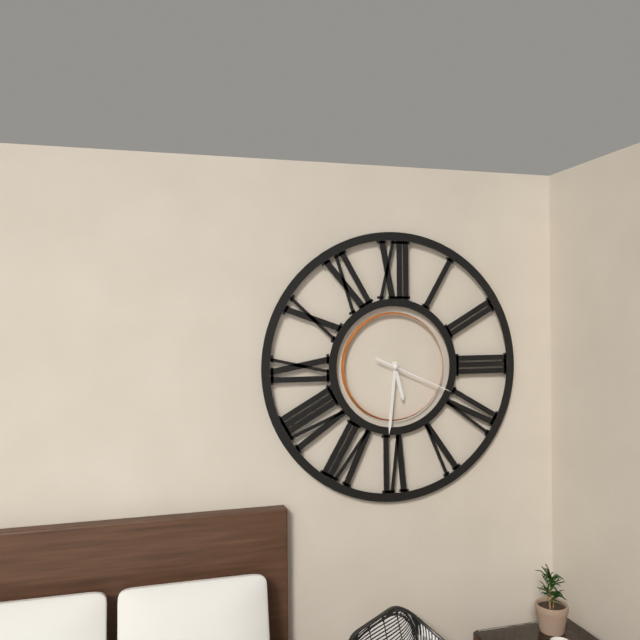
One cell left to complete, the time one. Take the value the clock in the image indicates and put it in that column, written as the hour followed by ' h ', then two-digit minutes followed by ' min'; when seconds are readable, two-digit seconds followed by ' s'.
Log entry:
5 h 31 min 19 s
